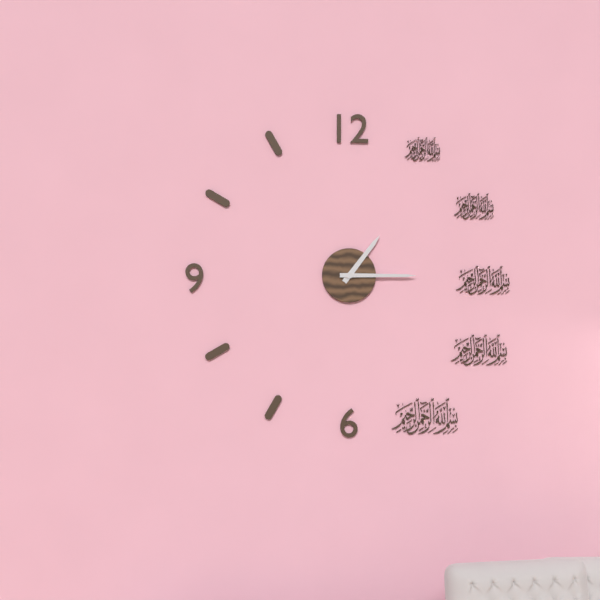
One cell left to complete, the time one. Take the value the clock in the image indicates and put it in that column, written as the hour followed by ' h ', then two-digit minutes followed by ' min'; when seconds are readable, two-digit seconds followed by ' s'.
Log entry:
1 h 15 min
